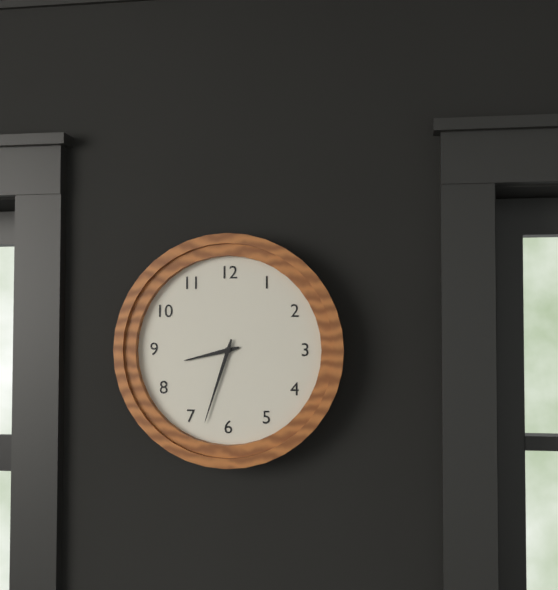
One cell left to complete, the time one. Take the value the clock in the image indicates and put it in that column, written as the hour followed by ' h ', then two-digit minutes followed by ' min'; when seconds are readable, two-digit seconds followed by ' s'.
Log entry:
8 h 33 min
